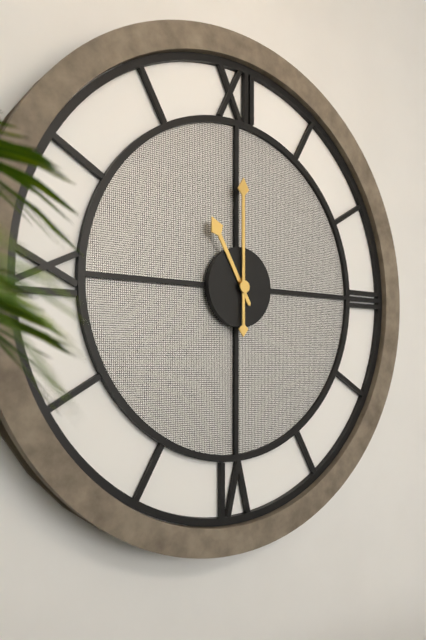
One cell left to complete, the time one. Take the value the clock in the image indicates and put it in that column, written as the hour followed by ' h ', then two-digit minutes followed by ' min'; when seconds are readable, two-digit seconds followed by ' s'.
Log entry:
11 h 00 min
